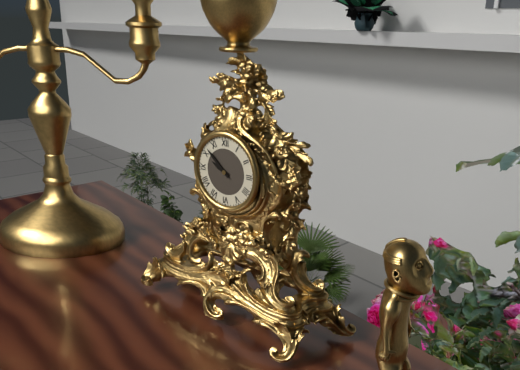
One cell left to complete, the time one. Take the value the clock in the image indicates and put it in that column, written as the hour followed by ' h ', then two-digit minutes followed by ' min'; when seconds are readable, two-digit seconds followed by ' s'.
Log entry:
9 h 52 min
